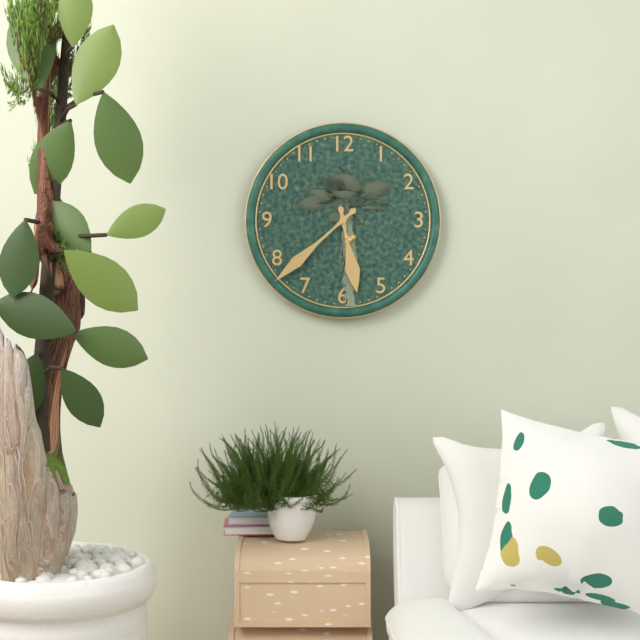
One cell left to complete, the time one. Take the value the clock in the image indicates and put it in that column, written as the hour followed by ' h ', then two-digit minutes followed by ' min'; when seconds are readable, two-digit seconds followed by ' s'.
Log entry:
5 h 38 min
